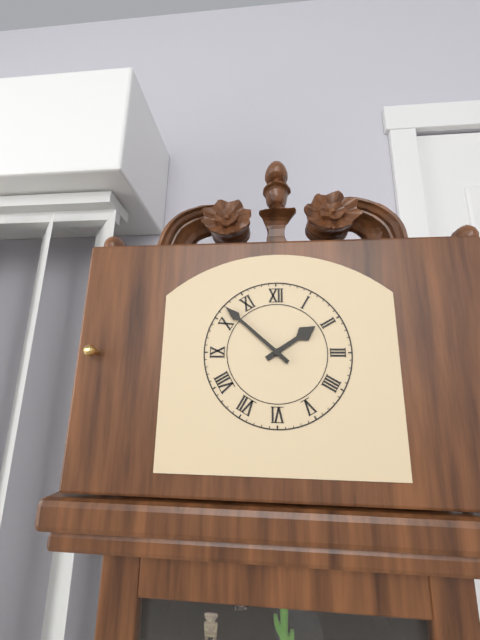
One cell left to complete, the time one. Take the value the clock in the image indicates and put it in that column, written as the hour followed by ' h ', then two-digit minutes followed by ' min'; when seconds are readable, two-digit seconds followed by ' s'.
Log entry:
1 h 52 min
